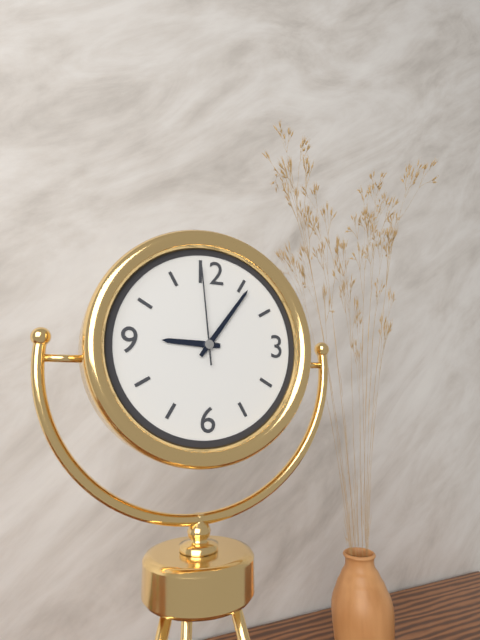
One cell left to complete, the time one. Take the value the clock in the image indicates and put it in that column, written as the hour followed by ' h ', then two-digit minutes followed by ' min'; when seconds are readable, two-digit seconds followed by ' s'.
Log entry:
9 h 06 min 59 s
